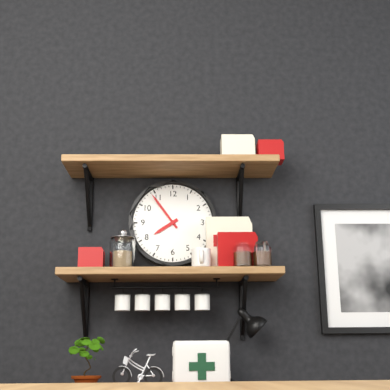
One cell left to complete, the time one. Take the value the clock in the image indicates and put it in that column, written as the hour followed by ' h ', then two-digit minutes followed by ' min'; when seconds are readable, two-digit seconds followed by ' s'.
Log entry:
7 h 54 min
